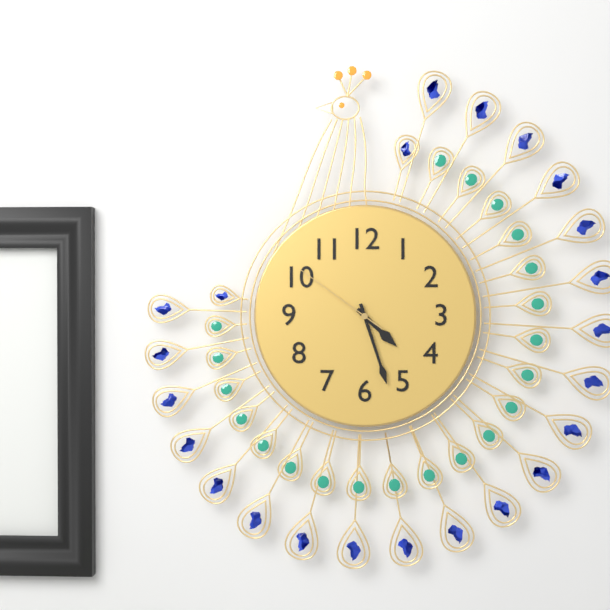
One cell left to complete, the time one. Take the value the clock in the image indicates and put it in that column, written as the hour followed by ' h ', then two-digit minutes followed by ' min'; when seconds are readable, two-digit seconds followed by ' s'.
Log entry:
4 h 27 min 51 s
